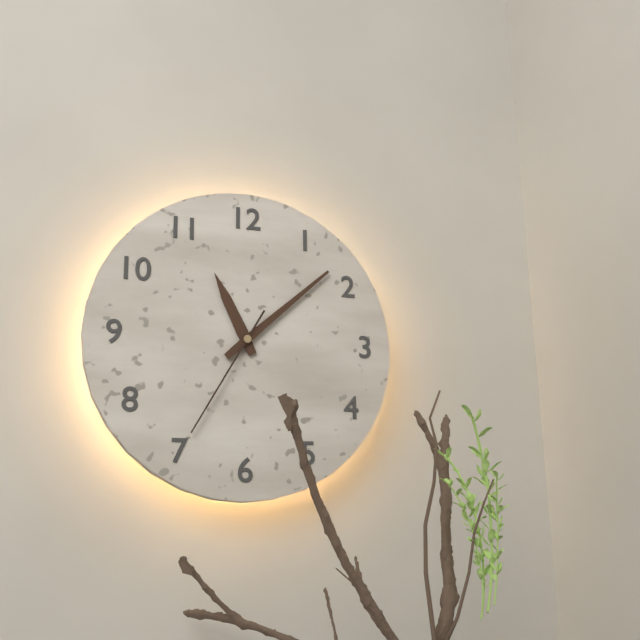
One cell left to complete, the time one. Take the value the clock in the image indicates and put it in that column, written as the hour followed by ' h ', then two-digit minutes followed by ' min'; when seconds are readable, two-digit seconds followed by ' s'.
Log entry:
11 h 08 min 35 s
